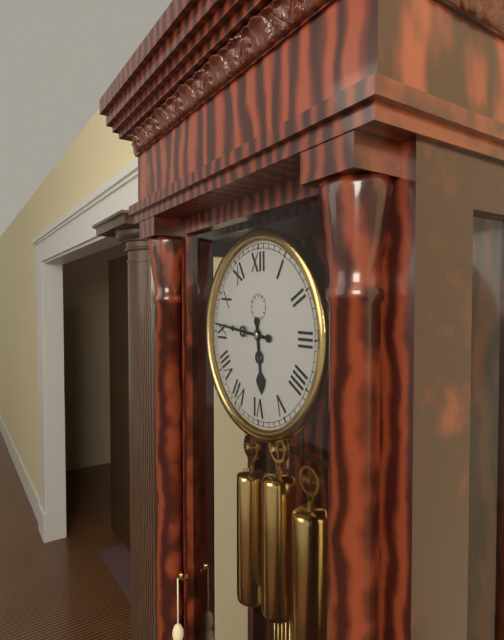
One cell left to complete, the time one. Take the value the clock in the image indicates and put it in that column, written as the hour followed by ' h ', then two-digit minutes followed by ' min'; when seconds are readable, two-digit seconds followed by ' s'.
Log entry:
5 h 46 min
